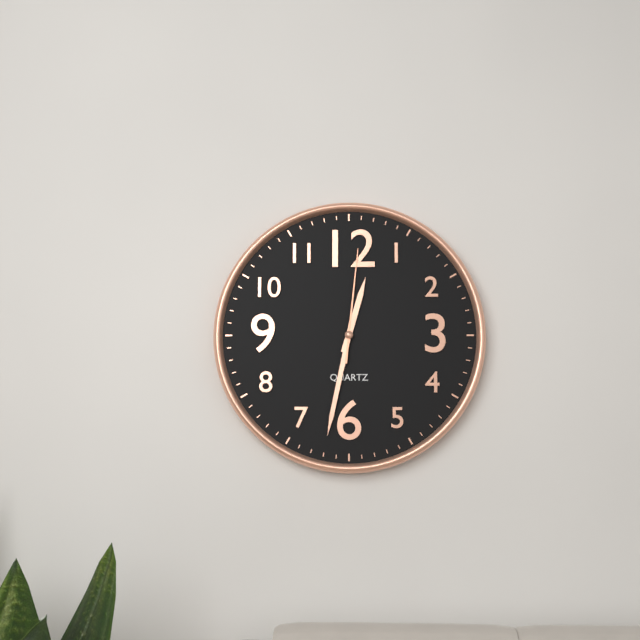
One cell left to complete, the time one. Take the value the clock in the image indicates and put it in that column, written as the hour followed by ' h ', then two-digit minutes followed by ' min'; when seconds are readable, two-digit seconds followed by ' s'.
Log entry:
12 h 32 min 01 s
